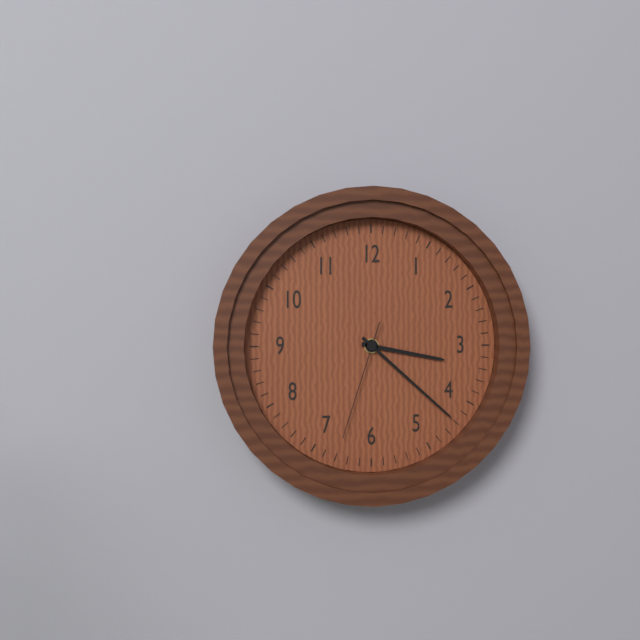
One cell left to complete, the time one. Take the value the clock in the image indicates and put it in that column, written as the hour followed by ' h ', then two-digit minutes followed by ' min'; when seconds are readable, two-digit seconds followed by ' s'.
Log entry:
3 h 22 min 33 s
